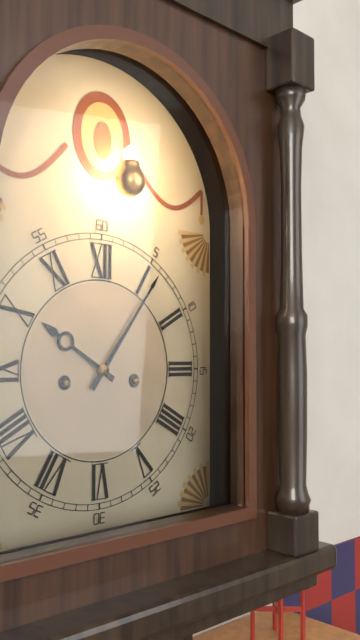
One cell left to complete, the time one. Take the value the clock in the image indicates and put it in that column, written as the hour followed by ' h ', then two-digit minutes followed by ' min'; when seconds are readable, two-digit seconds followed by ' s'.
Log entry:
10 h 06 min
